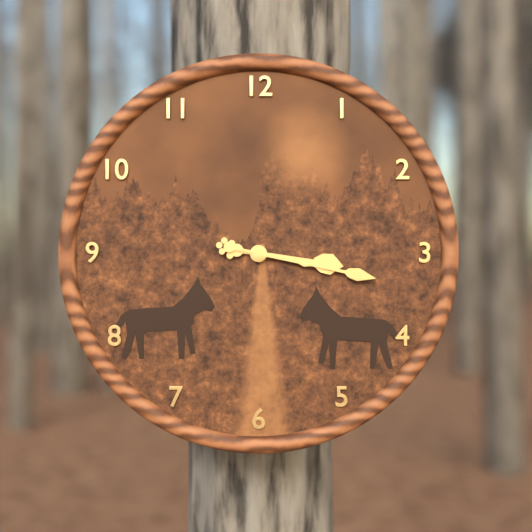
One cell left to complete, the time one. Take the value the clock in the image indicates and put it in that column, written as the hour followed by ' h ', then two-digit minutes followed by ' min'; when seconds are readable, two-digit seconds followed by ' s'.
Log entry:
3 h 17 min
